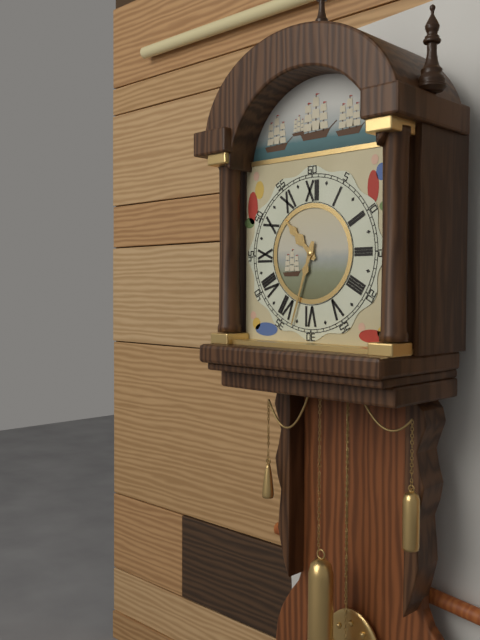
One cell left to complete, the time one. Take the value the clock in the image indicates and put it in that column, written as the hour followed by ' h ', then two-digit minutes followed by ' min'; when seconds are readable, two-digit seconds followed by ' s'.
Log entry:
10 h 33 min
